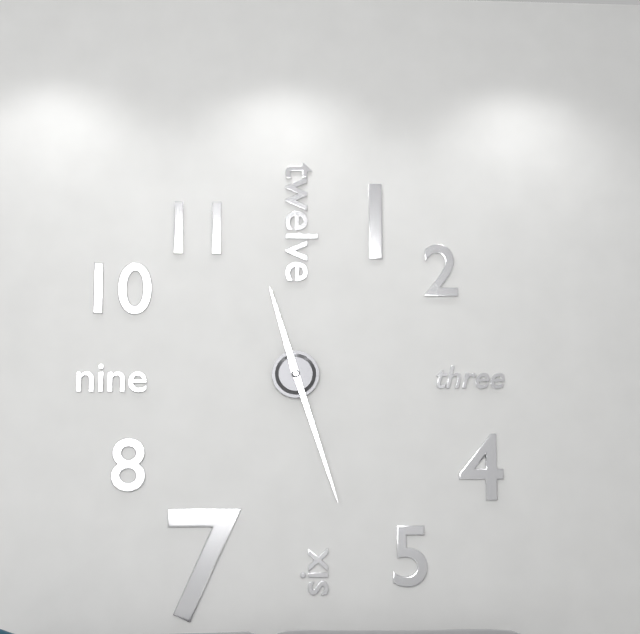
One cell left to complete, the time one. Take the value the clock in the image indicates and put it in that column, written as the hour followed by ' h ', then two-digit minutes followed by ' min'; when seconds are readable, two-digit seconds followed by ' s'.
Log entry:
11 h 27 min
